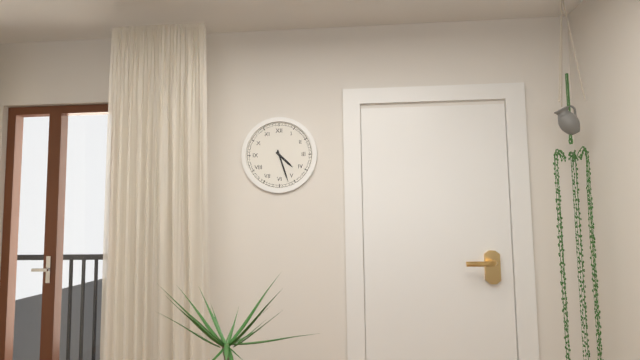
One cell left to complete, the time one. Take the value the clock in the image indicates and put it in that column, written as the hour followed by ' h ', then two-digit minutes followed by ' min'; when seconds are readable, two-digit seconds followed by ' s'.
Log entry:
4 h 27 min
